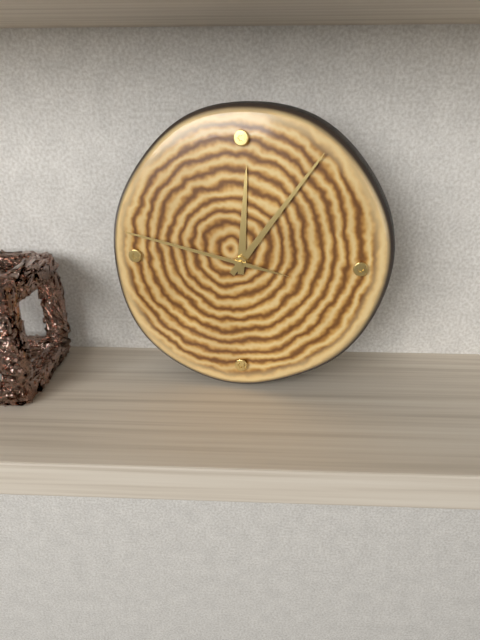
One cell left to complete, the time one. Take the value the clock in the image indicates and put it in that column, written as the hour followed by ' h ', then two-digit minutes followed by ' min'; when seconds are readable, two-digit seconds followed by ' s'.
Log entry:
12 h 06 min 47 s
